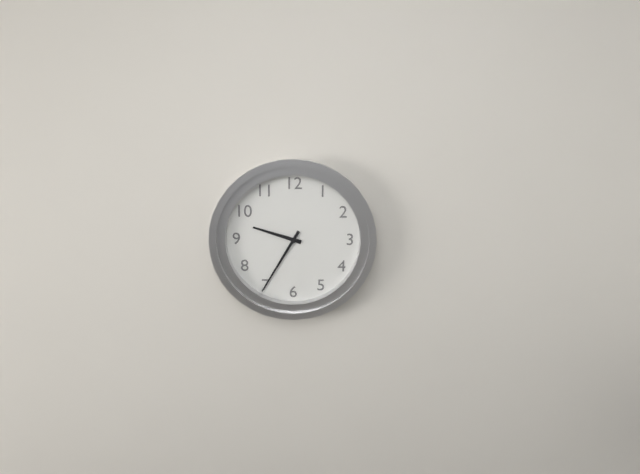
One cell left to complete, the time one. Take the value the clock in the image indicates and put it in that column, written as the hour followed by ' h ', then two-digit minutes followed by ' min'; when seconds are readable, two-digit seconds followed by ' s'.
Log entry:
9 h 35 min
